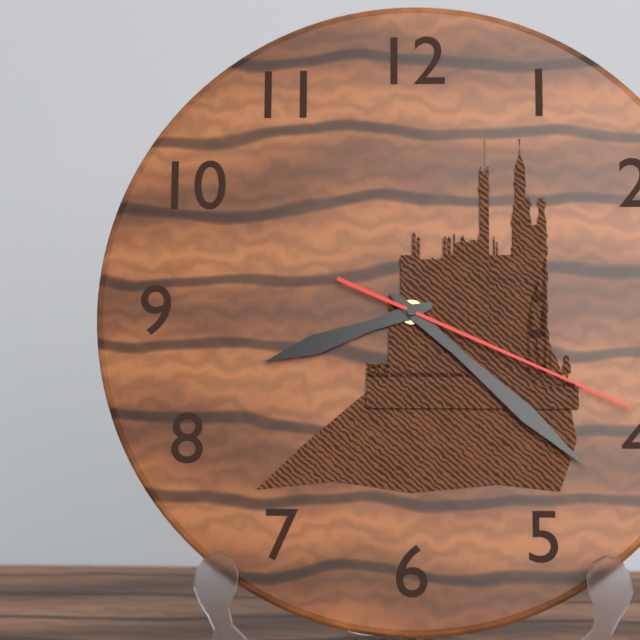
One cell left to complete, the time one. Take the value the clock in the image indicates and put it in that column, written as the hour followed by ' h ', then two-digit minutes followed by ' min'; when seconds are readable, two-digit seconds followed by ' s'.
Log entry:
8 h 22 min 19 s
